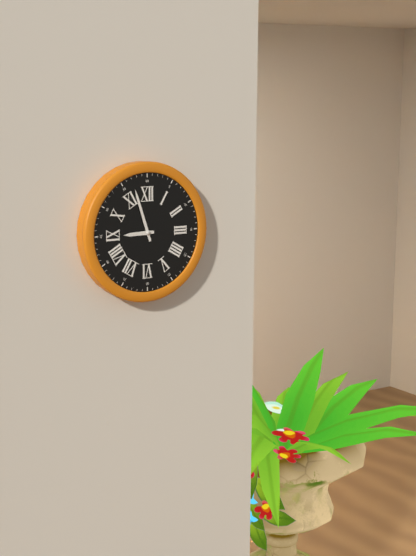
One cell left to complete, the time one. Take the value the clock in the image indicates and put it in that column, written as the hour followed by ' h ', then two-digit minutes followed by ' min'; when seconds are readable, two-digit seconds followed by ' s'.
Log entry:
8 h 57 min
